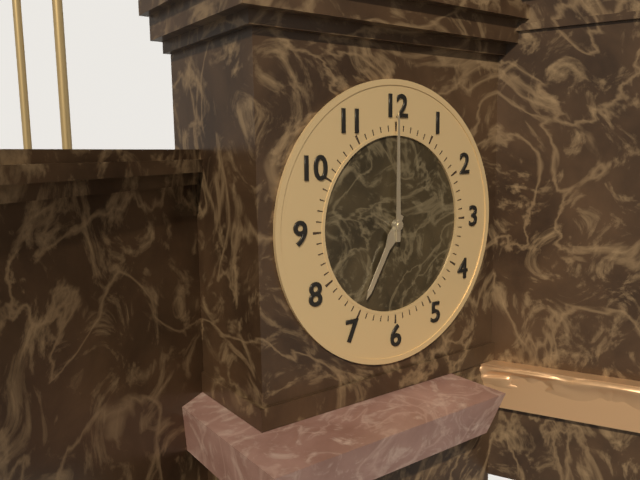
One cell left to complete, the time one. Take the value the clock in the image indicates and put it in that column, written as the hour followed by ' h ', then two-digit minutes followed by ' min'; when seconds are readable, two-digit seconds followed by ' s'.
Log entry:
7 h 00 min
